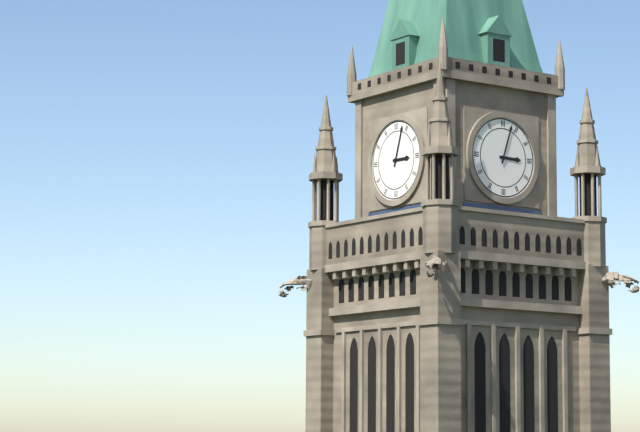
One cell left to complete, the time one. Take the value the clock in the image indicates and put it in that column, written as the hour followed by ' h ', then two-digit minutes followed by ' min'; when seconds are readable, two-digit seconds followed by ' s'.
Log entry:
3 h 03 min
